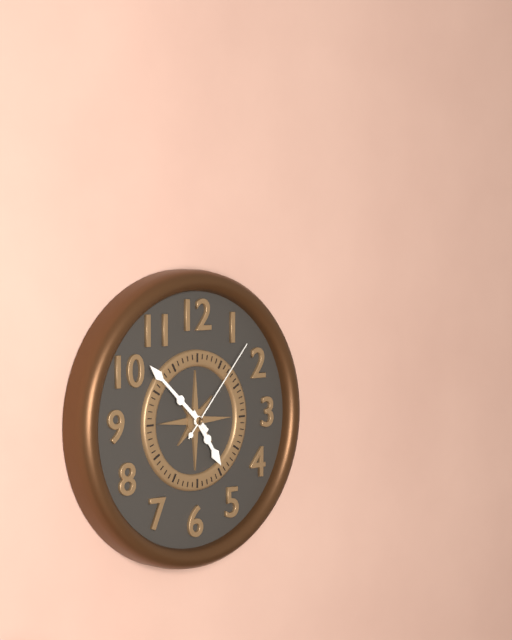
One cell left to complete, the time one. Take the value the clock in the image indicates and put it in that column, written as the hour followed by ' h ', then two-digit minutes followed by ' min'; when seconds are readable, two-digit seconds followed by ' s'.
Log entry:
4 h 52 min 07 s
